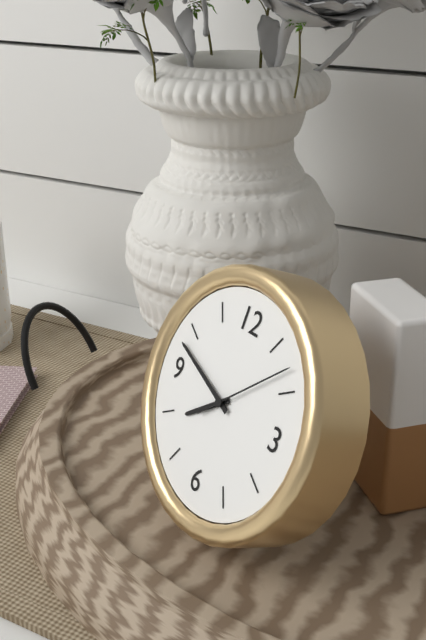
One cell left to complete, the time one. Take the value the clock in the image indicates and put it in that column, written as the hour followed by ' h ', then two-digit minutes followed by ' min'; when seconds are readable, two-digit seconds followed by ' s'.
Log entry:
7 h 48 min 08 s
